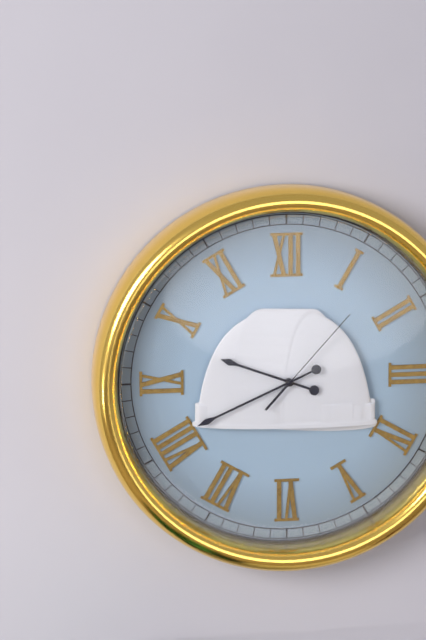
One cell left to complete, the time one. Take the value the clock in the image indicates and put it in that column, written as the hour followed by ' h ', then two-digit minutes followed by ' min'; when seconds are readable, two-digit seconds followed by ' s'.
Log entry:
9 h 41 min 07 s
